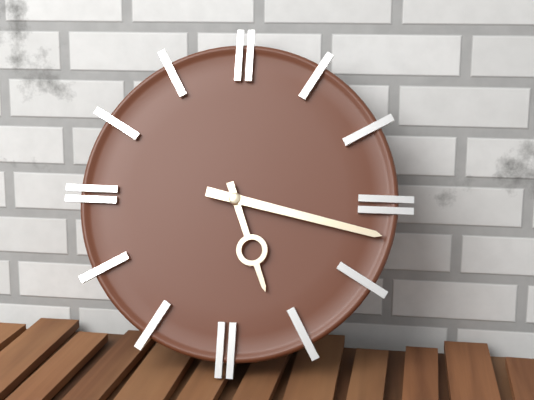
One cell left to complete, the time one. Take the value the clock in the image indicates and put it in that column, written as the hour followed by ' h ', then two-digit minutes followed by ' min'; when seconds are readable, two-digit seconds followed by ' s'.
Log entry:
5 h 17 min
